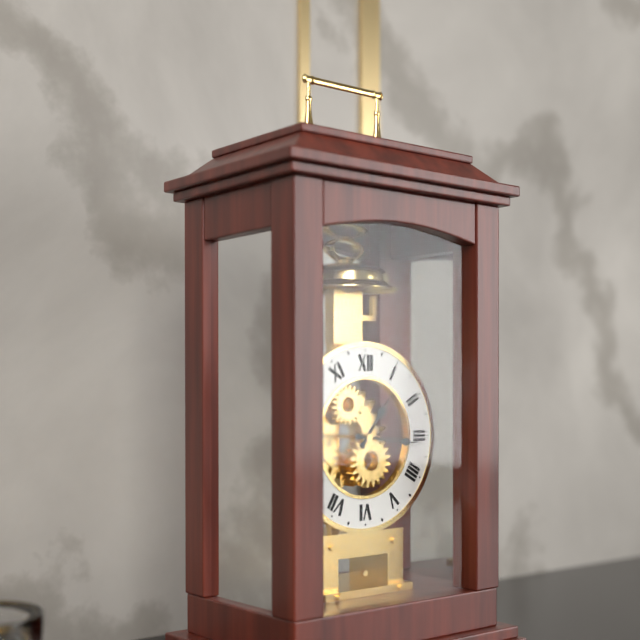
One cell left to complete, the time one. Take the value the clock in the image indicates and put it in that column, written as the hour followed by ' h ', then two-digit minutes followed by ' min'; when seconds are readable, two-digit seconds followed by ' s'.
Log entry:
1 h 16 min
